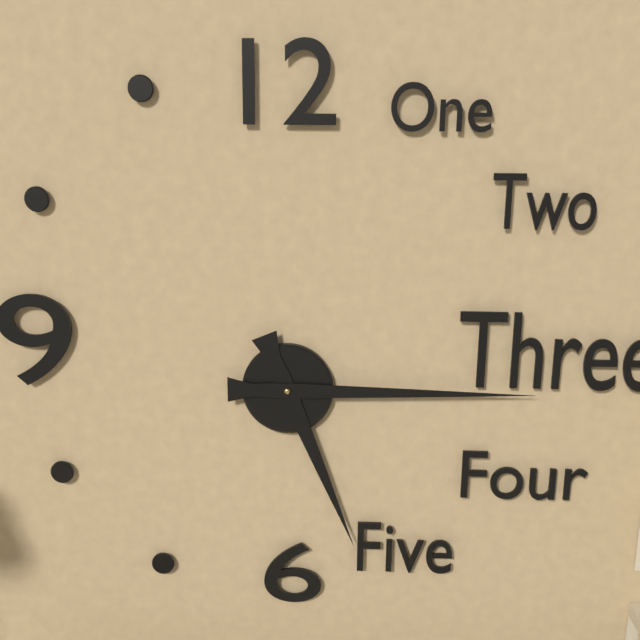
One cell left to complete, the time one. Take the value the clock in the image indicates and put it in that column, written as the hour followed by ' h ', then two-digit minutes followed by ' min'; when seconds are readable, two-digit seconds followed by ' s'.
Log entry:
5 h 15 min
